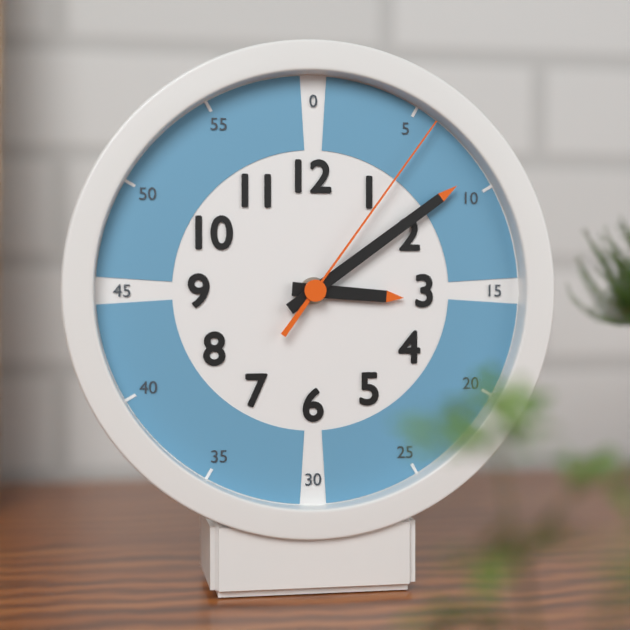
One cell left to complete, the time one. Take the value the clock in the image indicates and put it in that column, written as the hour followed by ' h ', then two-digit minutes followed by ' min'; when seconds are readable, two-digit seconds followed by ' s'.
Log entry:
3 h 09 min 06 s
